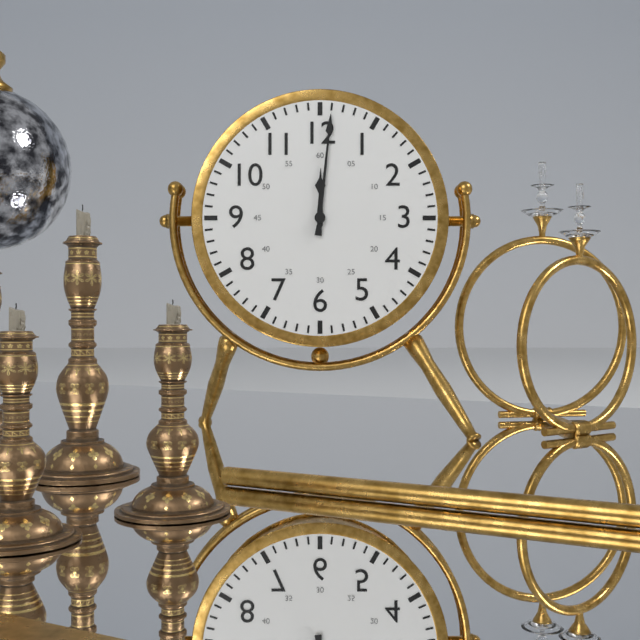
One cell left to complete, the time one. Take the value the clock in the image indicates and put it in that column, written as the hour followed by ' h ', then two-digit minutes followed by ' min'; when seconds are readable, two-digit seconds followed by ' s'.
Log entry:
12 h 01 min
